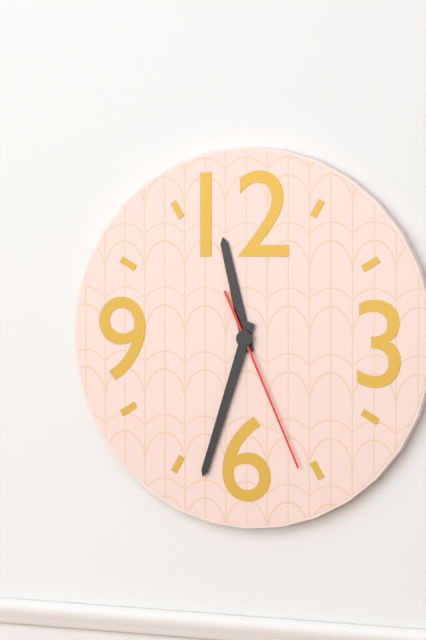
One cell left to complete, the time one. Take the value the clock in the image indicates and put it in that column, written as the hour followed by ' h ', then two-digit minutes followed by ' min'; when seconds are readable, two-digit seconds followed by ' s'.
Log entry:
11 h 33 min 26 s
